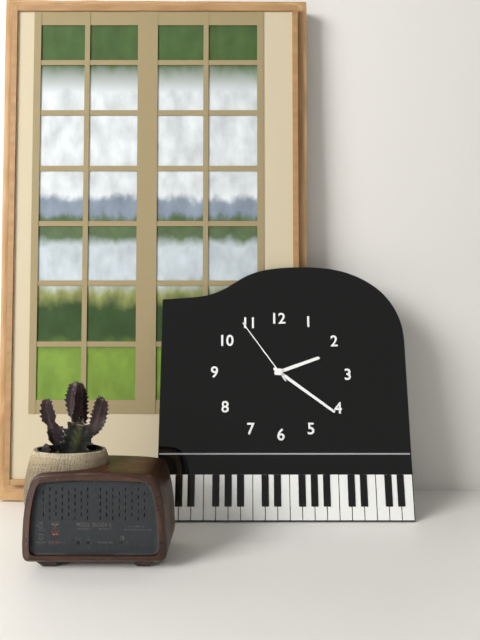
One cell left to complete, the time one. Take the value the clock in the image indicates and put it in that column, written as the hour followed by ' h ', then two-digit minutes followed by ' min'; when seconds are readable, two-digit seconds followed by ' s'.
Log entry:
2 h 21 min 54 s
